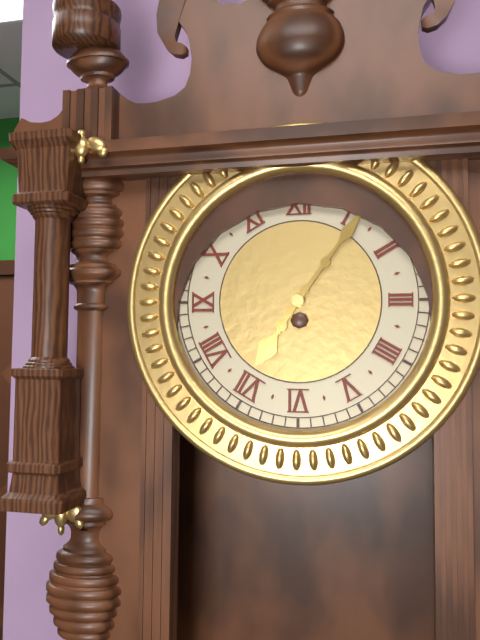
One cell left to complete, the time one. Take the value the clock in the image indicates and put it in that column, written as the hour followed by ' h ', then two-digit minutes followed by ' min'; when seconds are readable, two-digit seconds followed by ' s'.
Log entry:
7 h 06 min
